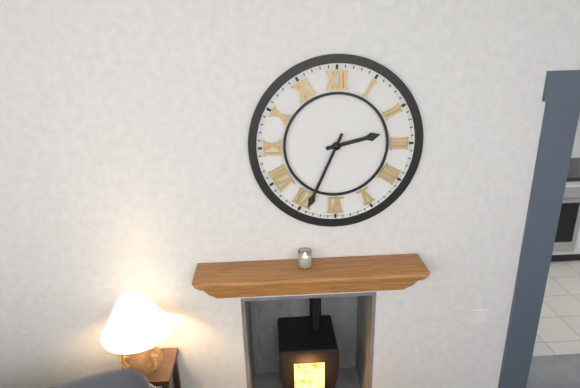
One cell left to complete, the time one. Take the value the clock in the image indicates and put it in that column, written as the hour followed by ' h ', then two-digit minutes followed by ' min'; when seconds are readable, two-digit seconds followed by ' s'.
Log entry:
2 h 34 min
